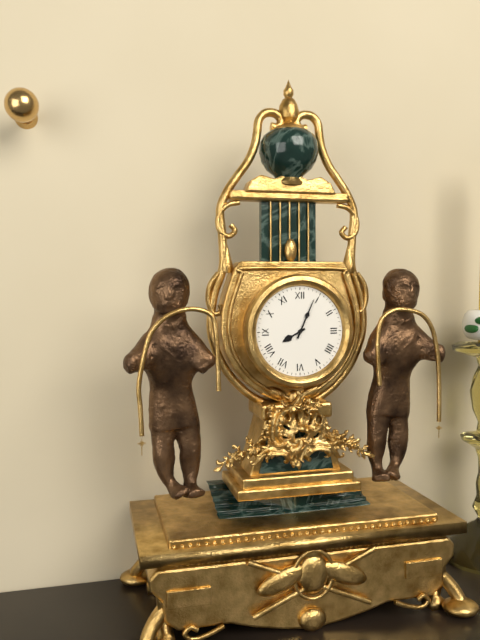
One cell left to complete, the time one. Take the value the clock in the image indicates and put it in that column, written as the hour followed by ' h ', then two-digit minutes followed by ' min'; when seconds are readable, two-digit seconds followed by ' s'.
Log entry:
8 h 04 min
